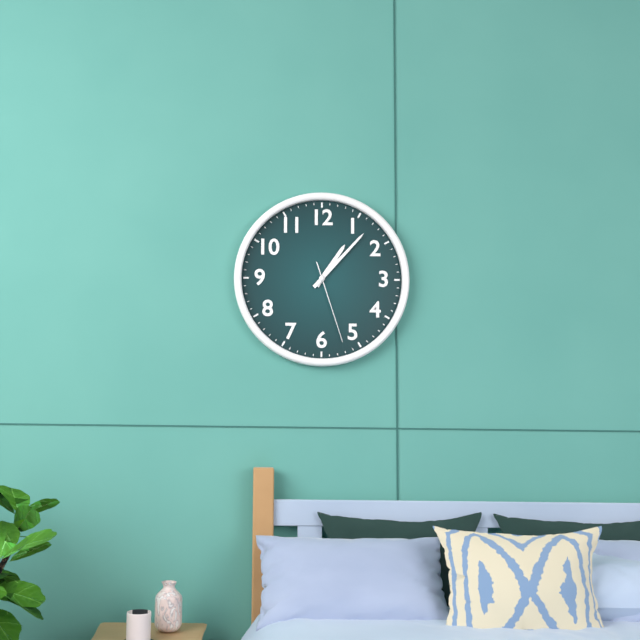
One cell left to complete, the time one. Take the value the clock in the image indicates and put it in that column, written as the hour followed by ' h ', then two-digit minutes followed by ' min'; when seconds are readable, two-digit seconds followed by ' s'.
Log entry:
1 h 07 min 27 s
